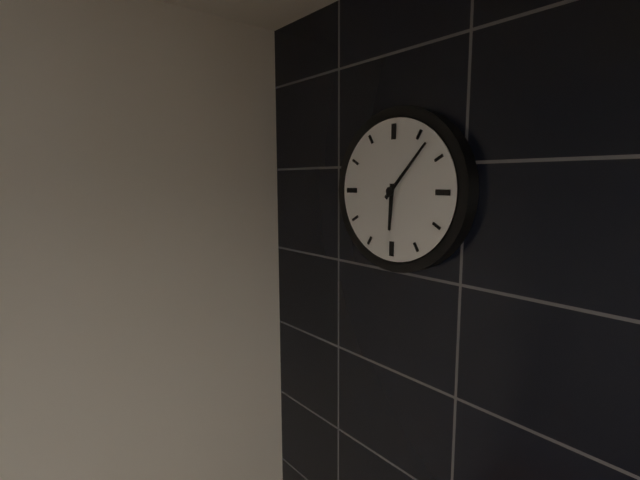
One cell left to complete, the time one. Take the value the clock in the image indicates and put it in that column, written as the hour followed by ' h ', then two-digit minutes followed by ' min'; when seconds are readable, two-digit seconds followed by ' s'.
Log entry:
6 h 07 min
